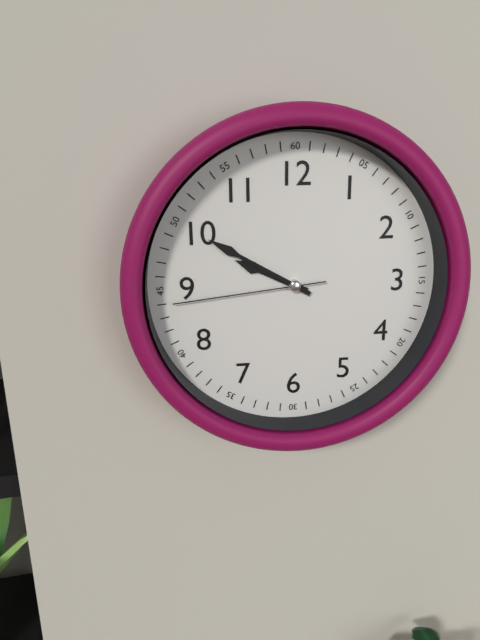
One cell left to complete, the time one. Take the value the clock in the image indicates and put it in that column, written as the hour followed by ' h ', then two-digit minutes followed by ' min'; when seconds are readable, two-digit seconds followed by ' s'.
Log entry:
9 h 50 min 44 s
